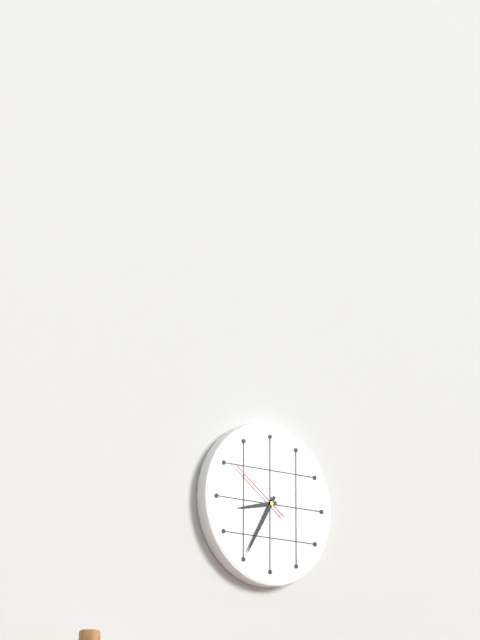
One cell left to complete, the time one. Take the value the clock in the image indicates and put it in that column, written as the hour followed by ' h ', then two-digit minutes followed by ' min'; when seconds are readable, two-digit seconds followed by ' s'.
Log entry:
8 h 35 min 51 s
